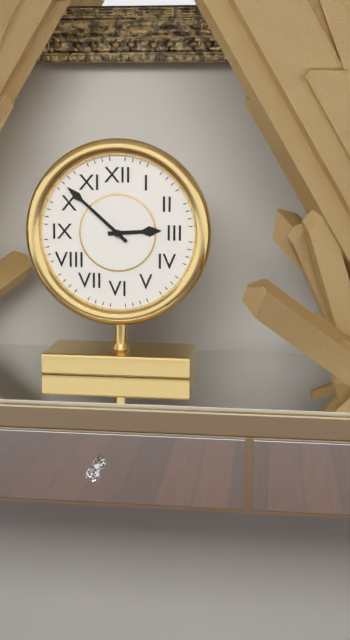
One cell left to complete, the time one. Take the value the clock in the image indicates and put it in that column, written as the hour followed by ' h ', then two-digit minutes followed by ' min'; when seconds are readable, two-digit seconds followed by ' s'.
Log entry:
2 h 52 min
